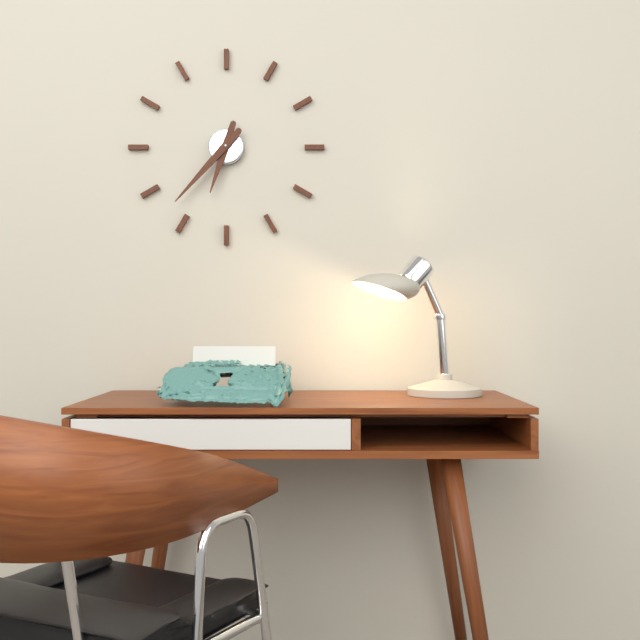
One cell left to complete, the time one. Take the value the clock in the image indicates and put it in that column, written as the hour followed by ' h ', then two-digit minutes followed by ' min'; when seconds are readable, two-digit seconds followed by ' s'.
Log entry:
6 h 37 min
